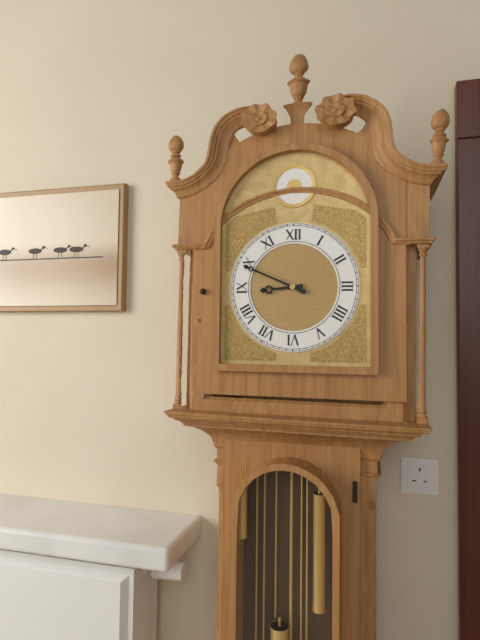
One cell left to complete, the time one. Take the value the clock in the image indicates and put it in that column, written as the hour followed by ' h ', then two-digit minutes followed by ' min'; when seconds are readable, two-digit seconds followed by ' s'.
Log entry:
8 h 49 min
